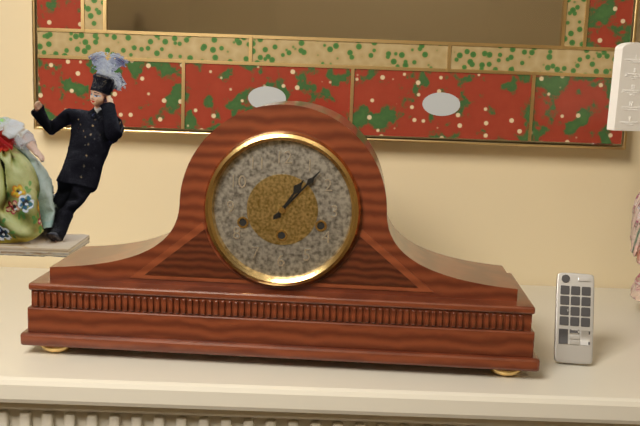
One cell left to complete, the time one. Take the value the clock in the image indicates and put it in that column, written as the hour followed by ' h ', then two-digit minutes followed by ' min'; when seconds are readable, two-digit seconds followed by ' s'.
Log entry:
1 h 07 min
